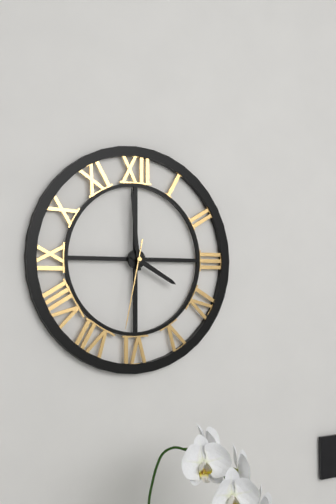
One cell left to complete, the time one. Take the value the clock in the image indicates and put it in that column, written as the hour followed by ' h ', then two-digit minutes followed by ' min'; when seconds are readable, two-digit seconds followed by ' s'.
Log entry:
3 h 59 min 32 s
